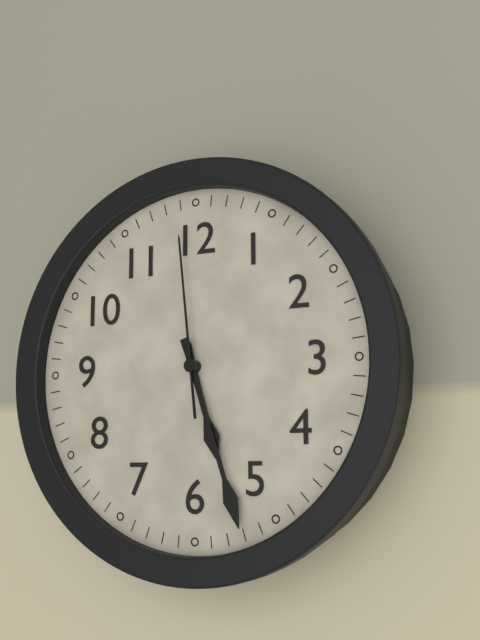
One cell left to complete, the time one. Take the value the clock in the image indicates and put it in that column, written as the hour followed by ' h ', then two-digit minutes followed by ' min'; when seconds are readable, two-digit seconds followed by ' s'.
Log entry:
5 h 27 min 59 s
